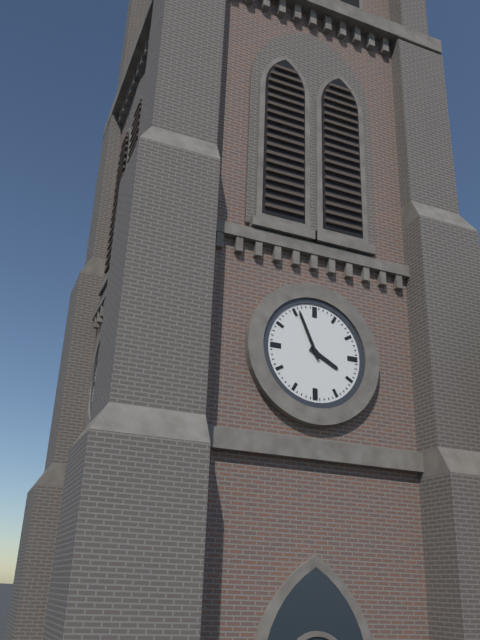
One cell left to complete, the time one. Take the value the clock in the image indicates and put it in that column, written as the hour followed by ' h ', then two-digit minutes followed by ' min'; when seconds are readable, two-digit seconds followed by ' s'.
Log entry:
3 h 56 min
